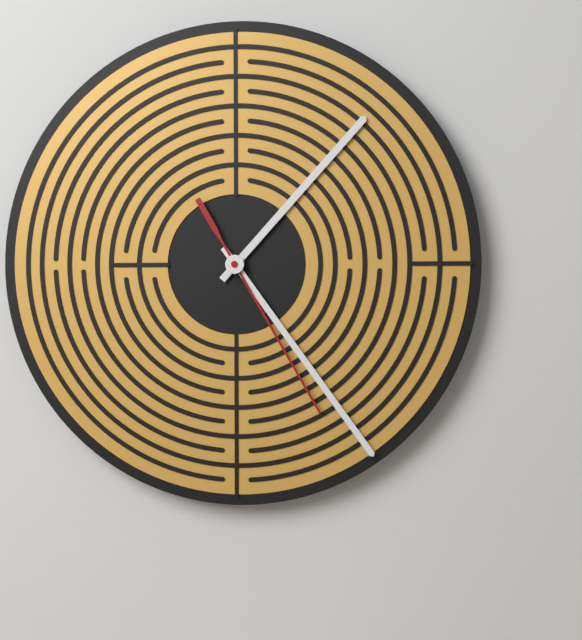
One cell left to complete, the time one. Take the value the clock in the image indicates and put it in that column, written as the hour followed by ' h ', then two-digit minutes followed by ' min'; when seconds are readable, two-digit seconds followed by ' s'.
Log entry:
1 h 24 min 25 s
